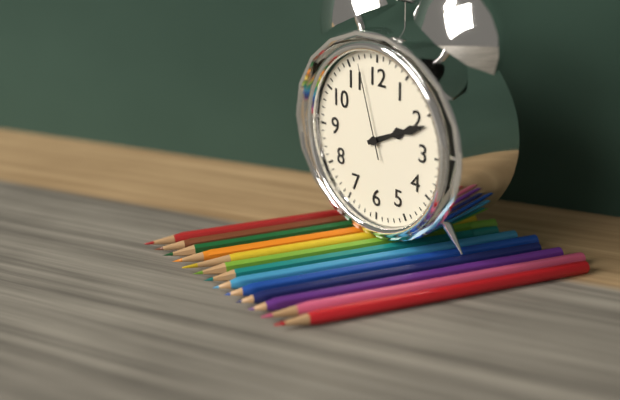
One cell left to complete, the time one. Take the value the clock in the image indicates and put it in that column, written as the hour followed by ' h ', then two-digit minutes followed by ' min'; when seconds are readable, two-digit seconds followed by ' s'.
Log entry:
2 h 11 min 57 s
